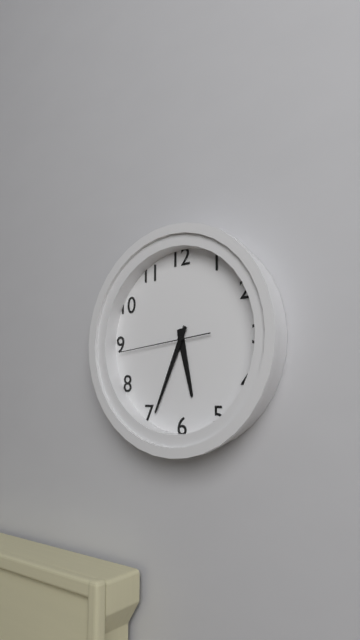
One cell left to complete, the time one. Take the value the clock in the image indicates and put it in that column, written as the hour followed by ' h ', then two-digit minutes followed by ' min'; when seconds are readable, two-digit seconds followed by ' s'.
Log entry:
5 h 34 min 44 s
